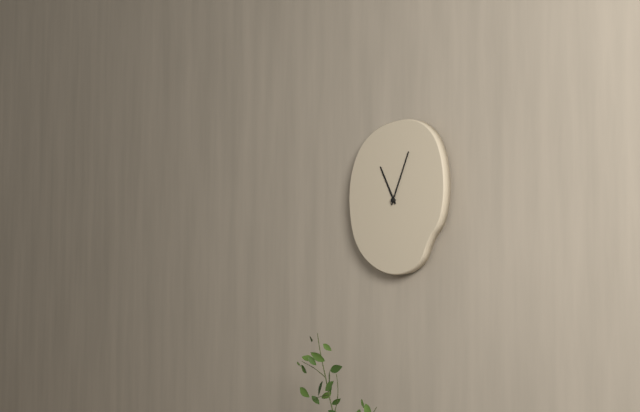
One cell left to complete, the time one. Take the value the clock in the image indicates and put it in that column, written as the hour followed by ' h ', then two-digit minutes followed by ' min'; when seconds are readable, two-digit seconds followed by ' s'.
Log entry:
11 h 04 min
